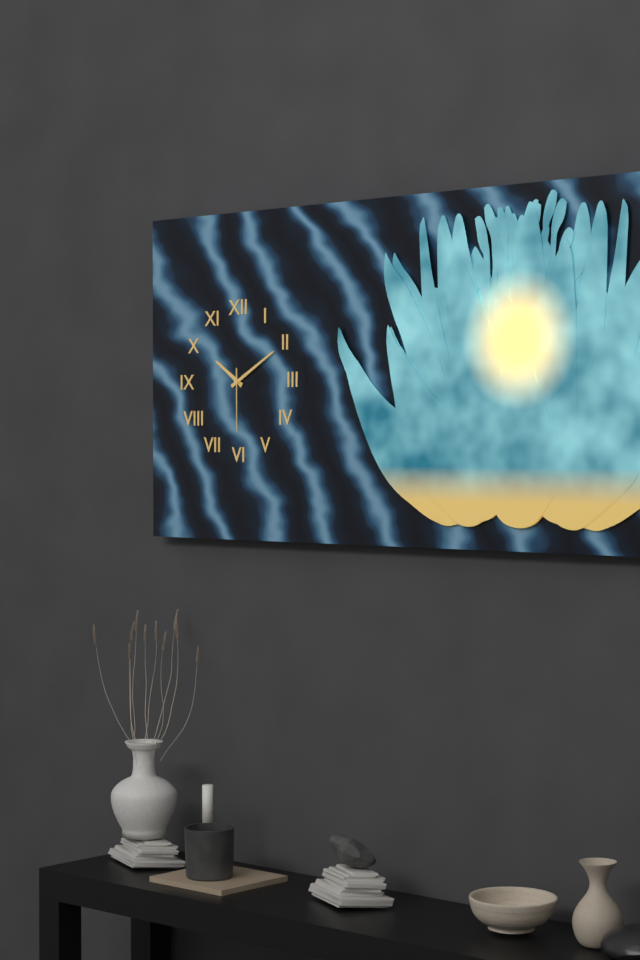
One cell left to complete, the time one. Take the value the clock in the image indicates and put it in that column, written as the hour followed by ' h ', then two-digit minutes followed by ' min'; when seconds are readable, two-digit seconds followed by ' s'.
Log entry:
10 h 10 min 30 s
